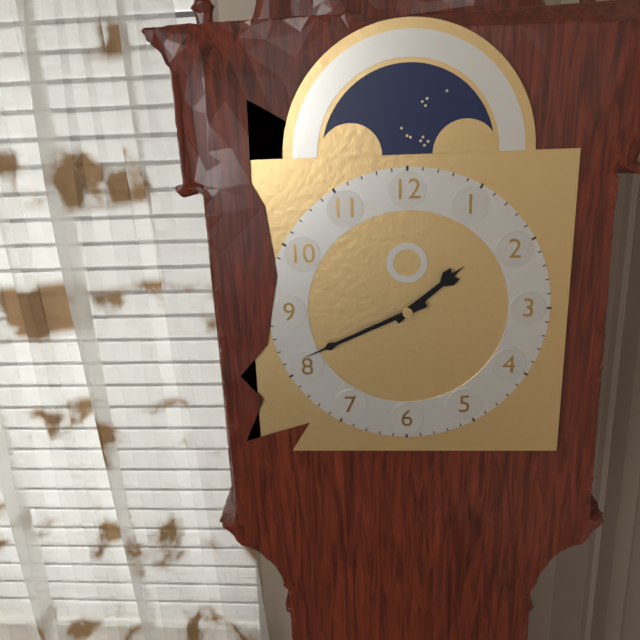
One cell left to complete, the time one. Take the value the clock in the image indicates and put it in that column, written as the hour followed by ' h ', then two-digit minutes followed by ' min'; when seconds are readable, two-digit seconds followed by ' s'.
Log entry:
1 h 41 min
